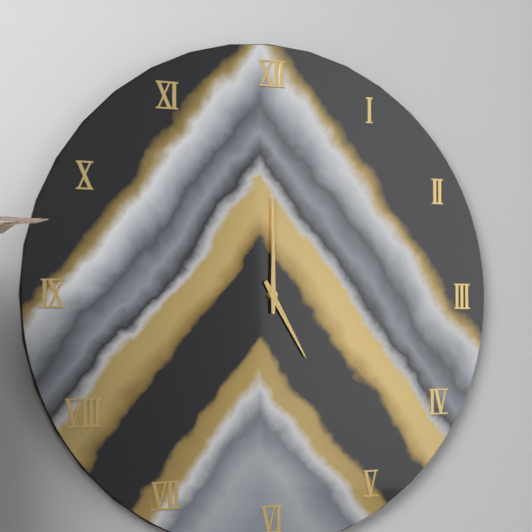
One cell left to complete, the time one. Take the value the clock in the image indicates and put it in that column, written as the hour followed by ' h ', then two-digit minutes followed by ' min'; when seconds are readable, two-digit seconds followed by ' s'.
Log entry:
5 h 00 min
